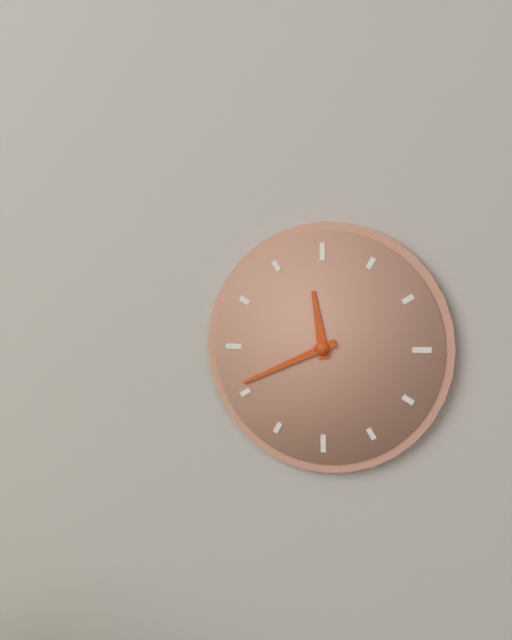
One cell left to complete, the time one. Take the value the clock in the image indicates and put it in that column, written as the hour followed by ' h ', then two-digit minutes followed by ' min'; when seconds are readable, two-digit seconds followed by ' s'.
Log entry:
11 h 41 min
